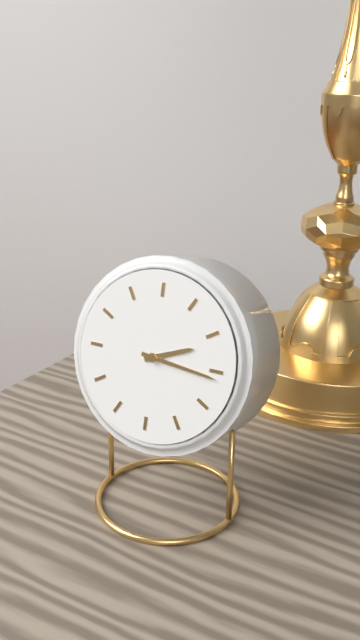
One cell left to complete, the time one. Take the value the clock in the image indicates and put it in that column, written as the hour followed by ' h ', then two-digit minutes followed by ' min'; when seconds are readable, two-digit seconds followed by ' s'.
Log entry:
2 h 16 min
